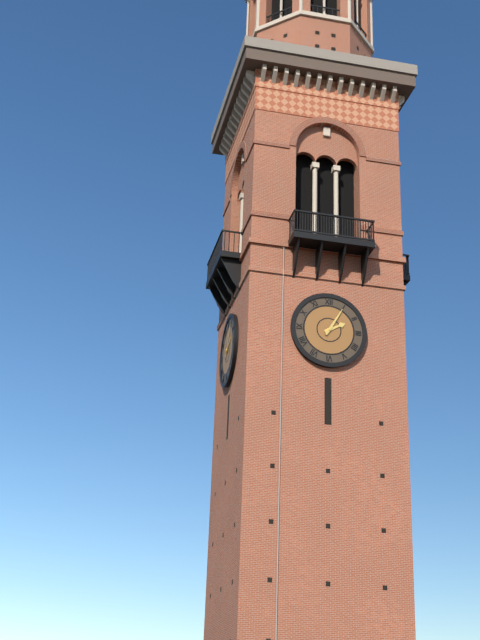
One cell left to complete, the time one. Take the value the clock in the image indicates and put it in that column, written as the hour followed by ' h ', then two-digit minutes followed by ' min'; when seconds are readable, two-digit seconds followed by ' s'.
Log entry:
2 h 05 min
